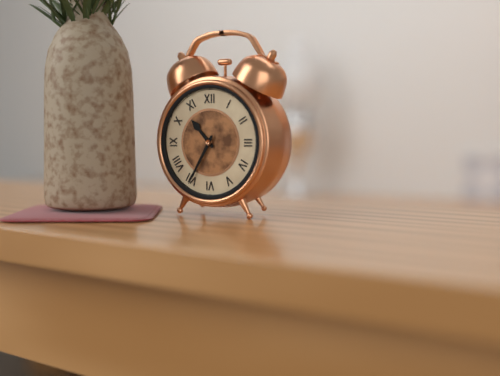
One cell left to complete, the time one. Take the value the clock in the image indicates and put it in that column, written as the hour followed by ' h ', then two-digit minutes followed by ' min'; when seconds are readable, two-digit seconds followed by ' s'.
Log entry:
10 h 35 min
